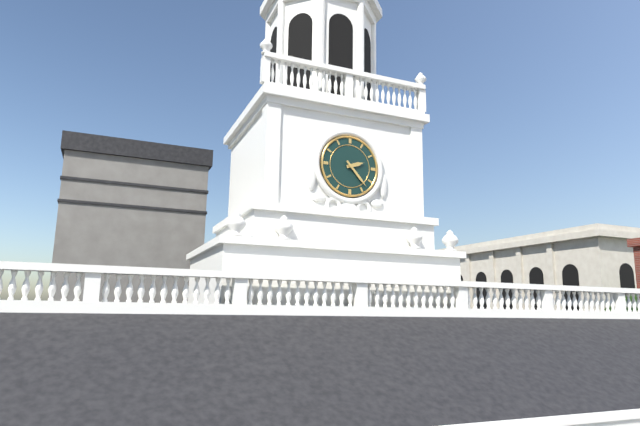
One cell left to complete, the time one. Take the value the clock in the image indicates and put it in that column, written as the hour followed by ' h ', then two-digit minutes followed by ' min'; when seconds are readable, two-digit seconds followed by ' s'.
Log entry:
2 h 23 min
